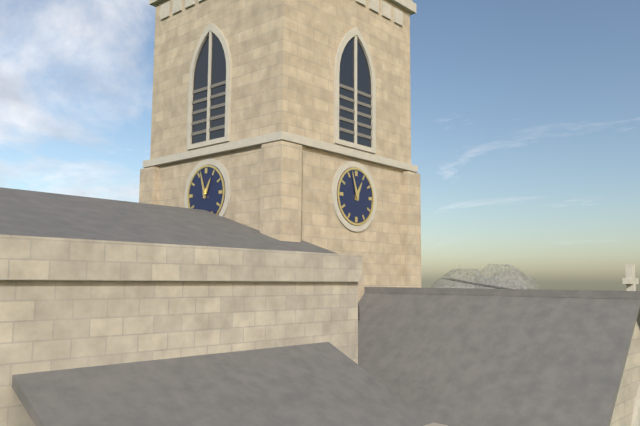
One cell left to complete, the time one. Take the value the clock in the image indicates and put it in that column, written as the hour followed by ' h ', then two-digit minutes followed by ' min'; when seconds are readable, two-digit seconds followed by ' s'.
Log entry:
12 h 57 min
